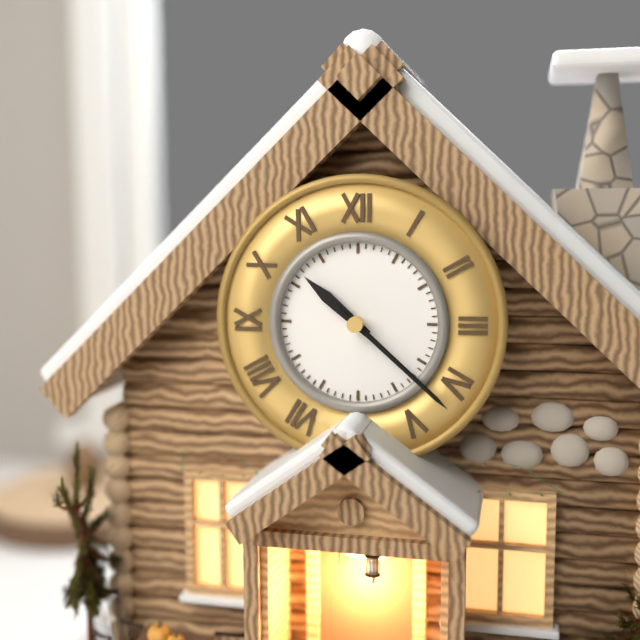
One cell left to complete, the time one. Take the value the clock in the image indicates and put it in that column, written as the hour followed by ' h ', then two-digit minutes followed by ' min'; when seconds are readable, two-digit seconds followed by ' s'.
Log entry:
10 h 22 min 22 s
